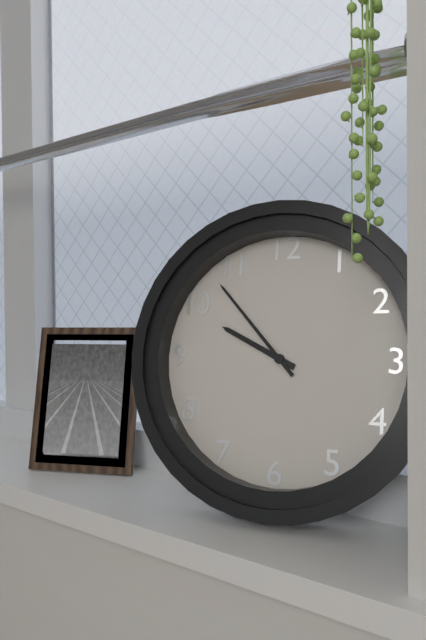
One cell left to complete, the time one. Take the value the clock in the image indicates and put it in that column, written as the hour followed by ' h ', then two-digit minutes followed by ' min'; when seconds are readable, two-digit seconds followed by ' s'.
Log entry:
9 h 53 min
